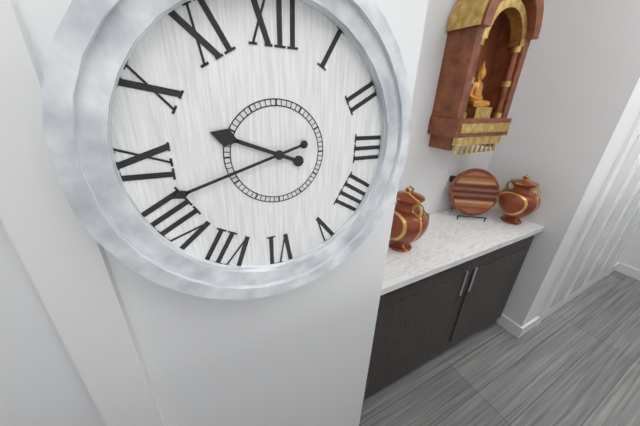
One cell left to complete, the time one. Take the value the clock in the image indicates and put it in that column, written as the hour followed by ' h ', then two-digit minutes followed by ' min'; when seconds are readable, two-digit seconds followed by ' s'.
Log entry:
9 h 42 min
